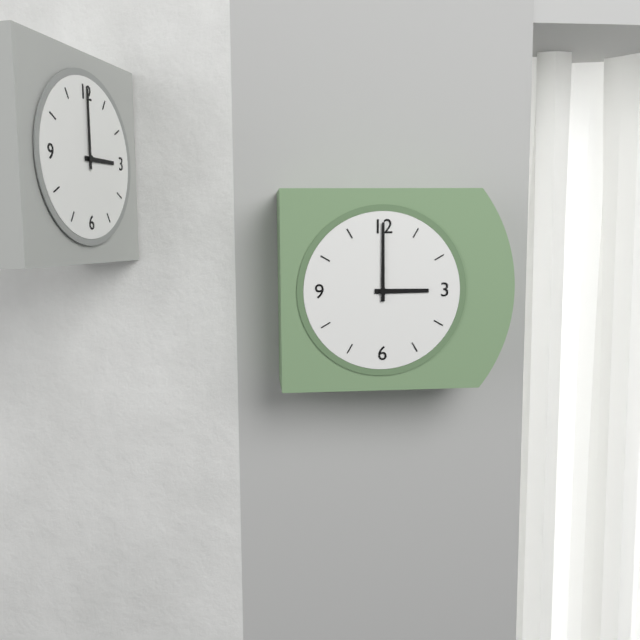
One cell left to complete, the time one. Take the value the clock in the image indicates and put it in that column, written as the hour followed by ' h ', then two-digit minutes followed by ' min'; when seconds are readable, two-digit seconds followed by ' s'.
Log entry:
3 h 00 min
